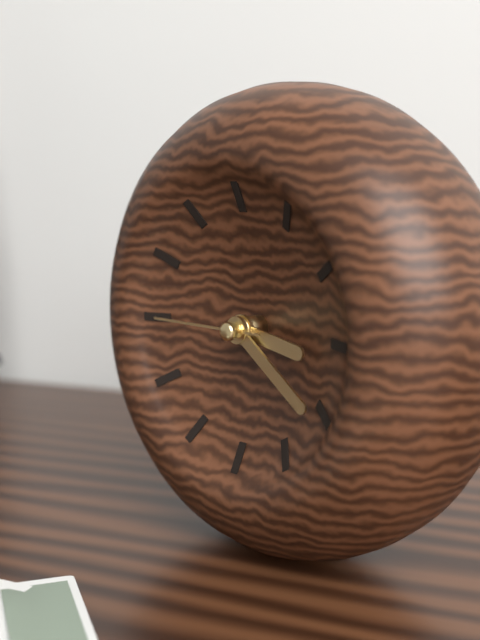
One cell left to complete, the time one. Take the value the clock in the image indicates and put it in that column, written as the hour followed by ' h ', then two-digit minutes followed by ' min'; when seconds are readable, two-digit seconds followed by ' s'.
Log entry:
3 h 21 min 45 s
